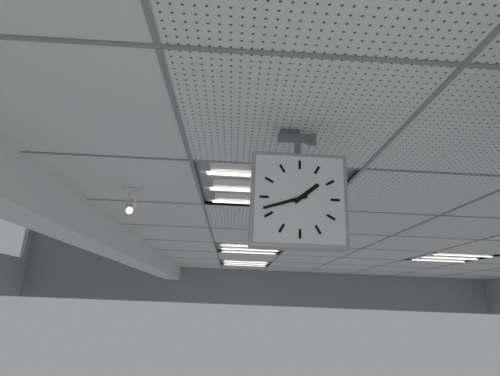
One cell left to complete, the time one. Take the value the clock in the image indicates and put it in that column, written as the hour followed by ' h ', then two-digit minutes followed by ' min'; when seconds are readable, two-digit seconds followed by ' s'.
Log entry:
1 h 42 min
